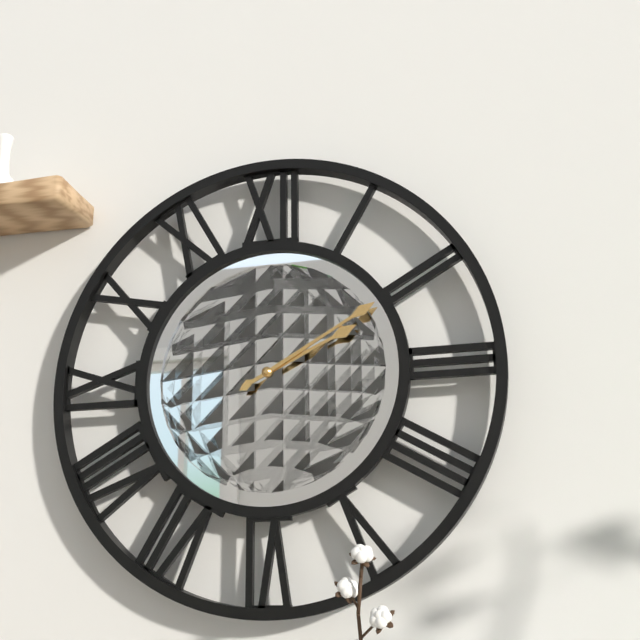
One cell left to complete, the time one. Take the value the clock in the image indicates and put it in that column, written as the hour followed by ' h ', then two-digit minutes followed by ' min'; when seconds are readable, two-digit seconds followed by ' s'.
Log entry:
2 h 10 min
